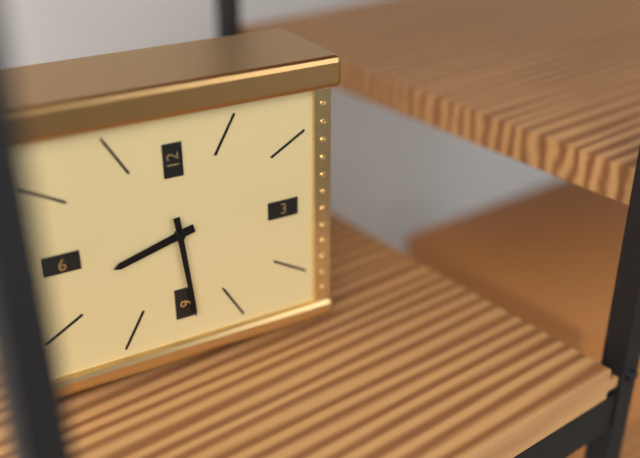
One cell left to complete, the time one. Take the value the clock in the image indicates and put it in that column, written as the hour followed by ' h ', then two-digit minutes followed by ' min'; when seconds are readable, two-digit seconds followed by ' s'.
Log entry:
8 h 29 min
